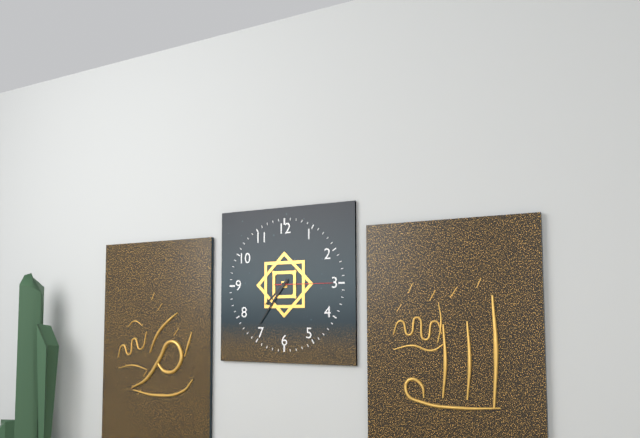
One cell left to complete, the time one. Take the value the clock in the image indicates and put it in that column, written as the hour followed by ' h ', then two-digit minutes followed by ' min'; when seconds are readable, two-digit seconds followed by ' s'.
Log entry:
7 h 36 min 15 s
